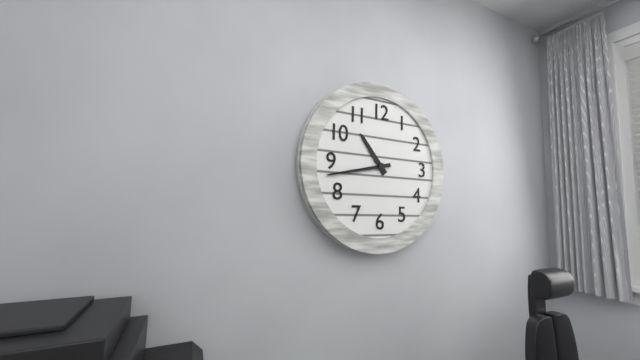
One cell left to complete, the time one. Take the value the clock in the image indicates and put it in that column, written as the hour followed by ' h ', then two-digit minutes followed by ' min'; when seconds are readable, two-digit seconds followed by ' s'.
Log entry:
10 h 43 min
